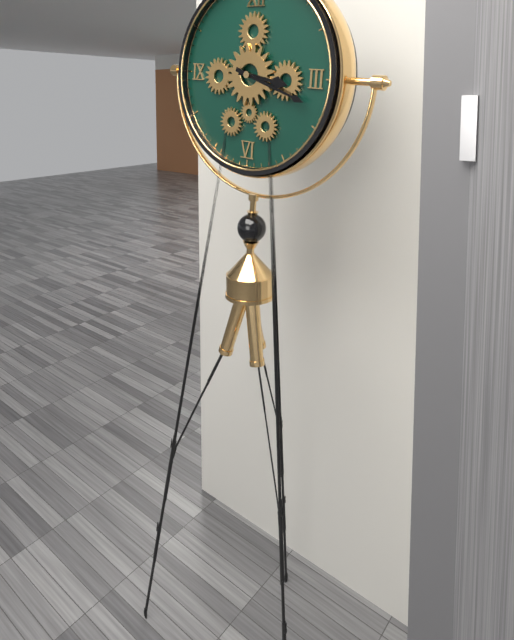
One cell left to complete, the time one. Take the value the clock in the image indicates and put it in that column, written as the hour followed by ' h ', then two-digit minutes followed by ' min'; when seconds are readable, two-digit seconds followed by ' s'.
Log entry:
3 h 18 min
